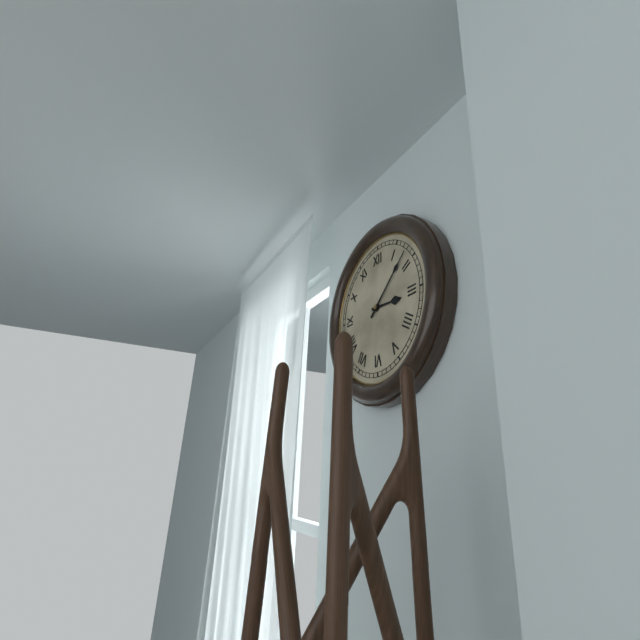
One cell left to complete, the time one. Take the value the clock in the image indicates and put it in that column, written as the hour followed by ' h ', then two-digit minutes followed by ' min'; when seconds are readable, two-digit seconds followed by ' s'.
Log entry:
3 h 08 min
